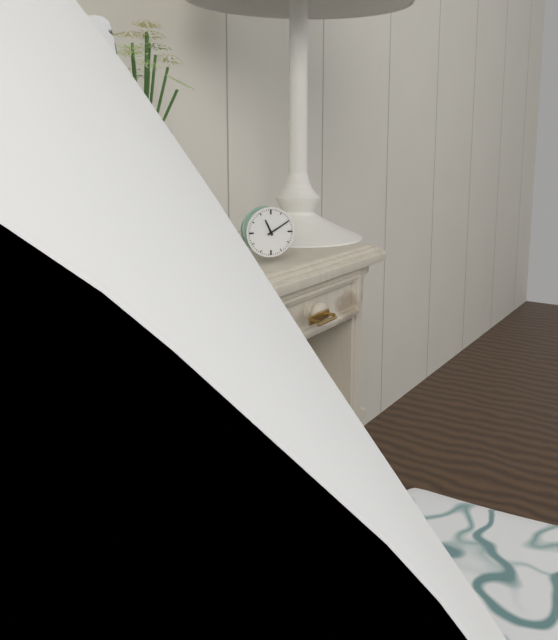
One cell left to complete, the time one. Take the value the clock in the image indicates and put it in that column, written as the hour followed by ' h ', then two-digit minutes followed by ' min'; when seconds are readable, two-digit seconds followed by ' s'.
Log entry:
11 h 10 min
